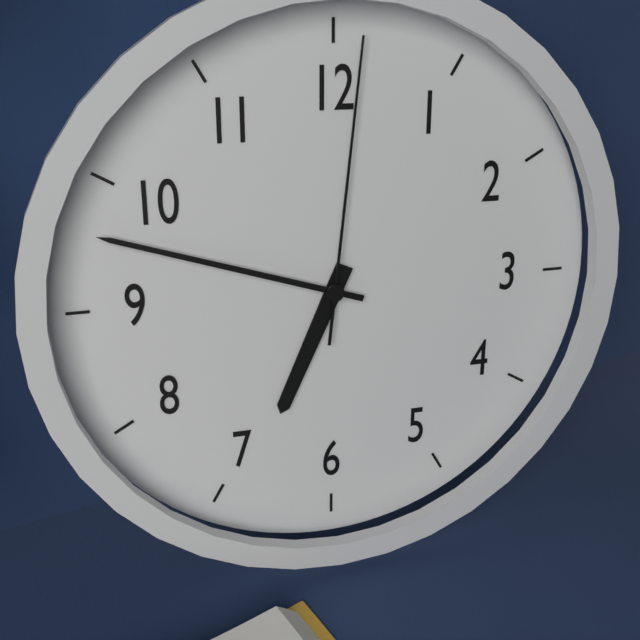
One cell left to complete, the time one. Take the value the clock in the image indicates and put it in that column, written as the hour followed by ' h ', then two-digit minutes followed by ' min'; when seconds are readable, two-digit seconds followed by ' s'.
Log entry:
6 h 48 min 01 s
